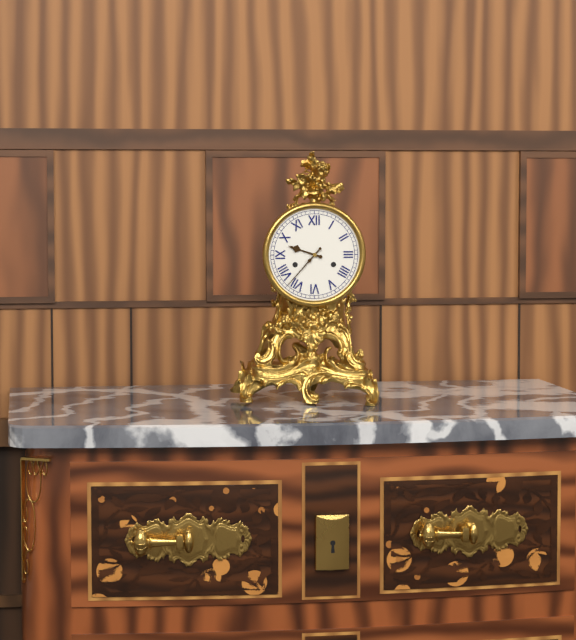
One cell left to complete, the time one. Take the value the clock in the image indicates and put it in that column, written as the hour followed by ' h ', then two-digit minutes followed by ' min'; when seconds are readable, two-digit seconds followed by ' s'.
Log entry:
9 h 37 min
